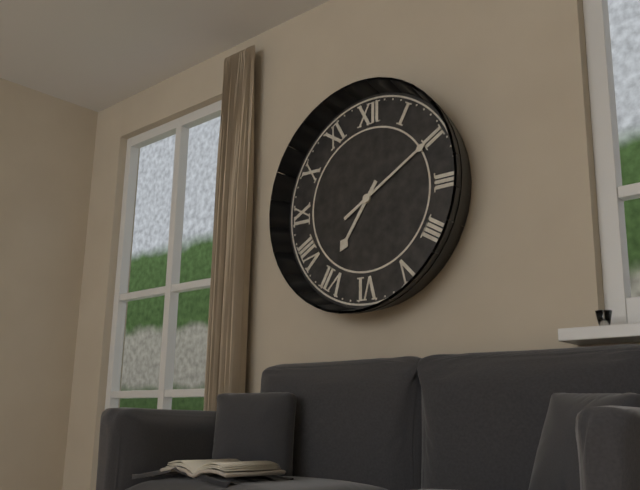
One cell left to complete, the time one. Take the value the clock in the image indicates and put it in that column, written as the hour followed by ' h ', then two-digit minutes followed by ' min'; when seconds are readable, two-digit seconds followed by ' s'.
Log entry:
7 h 10 min
